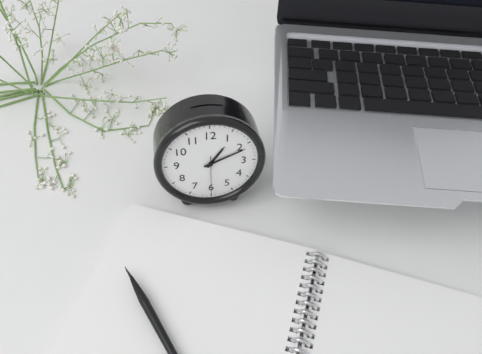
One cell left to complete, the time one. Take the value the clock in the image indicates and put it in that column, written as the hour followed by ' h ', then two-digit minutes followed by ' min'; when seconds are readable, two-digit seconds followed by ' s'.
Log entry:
1 h 11 min
